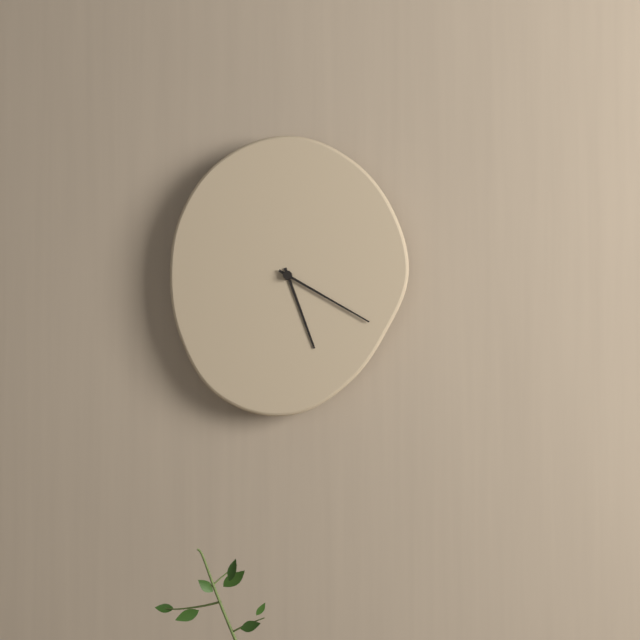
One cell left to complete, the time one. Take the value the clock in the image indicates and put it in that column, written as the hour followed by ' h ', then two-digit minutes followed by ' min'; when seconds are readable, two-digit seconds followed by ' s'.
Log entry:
5 h 20 min
